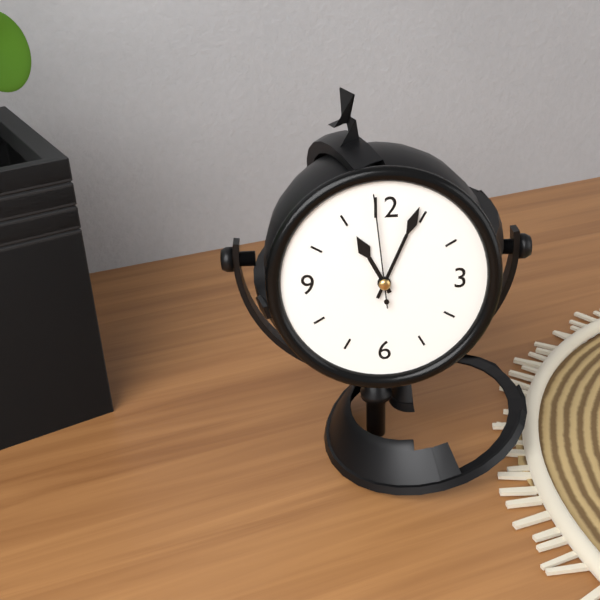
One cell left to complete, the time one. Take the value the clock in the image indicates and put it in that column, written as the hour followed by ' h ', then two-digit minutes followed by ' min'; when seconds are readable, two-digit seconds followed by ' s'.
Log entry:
11 h 04 min 59 s
